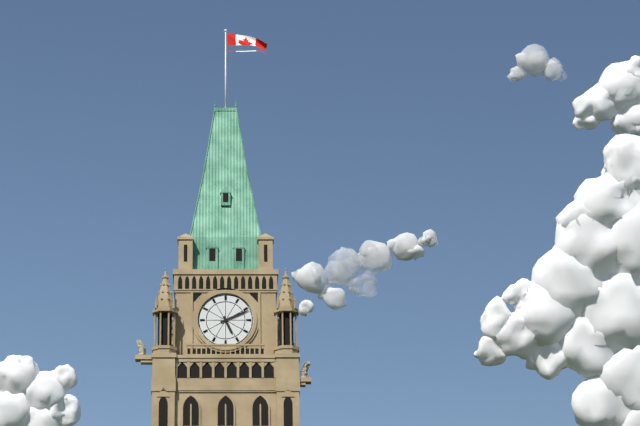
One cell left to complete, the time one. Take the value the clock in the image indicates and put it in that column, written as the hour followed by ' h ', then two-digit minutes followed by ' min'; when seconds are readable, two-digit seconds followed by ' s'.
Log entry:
5 h 11 min
